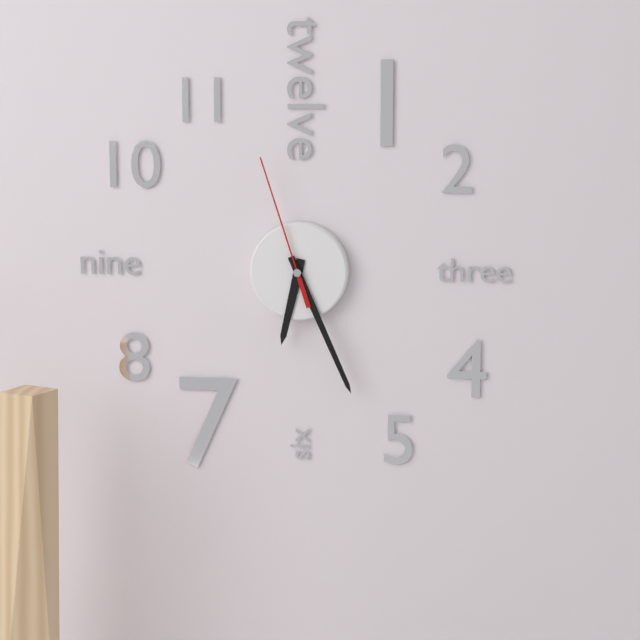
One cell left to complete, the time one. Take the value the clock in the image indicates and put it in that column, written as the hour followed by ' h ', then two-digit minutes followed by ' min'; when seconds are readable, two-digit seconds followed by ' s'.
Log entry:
6 h 26 min 57 s
